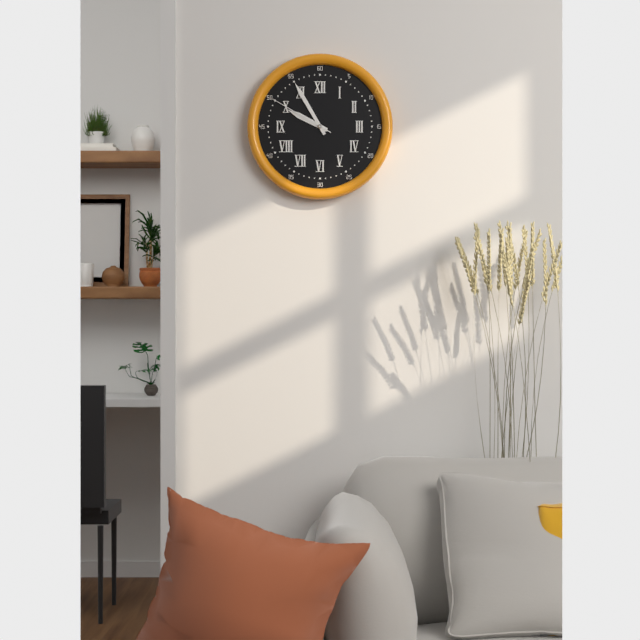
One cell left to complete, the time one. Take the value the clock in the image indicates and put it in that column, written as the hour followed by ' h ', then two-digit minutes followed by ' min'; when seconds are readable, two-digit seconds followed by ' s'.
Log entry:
9 h 55 min 50 s
